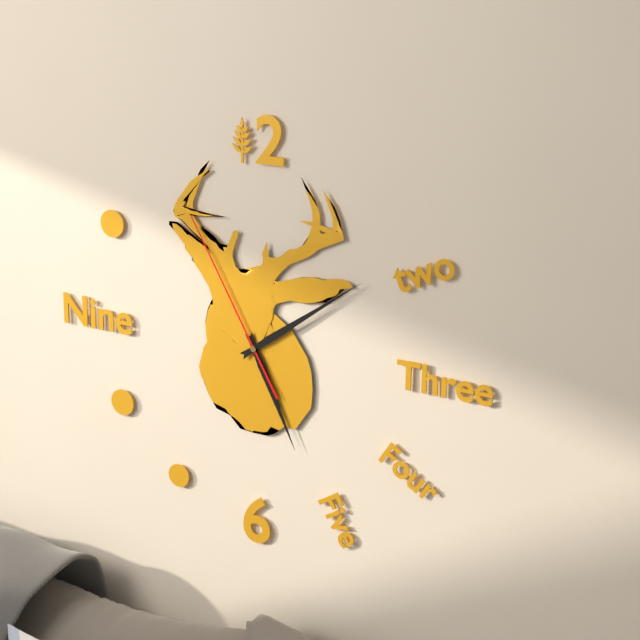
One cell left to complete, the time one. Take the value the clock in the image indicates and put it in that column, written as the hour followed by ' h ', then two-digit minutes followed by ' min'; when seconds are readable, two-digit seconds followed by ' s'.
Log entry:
5 h 09 min 55 s
